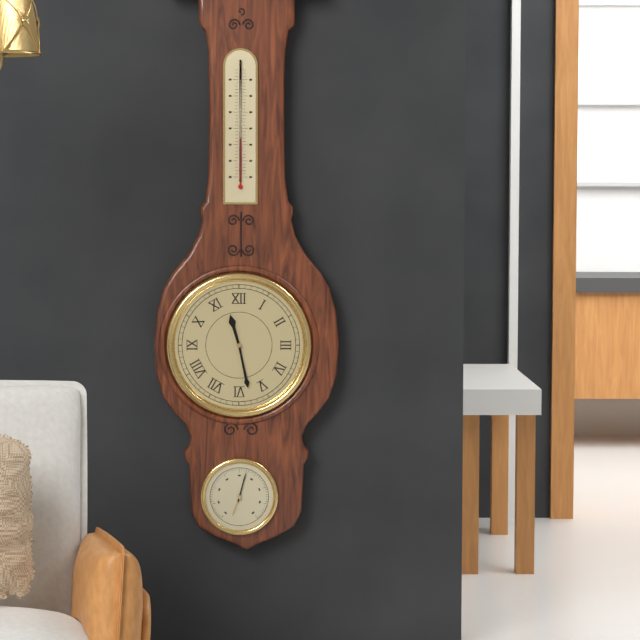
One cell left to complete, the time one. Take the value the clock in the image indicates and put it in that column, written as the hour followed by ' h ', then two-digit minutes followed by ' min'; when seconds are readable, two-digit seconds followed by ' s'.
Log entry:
11 h 28 min
